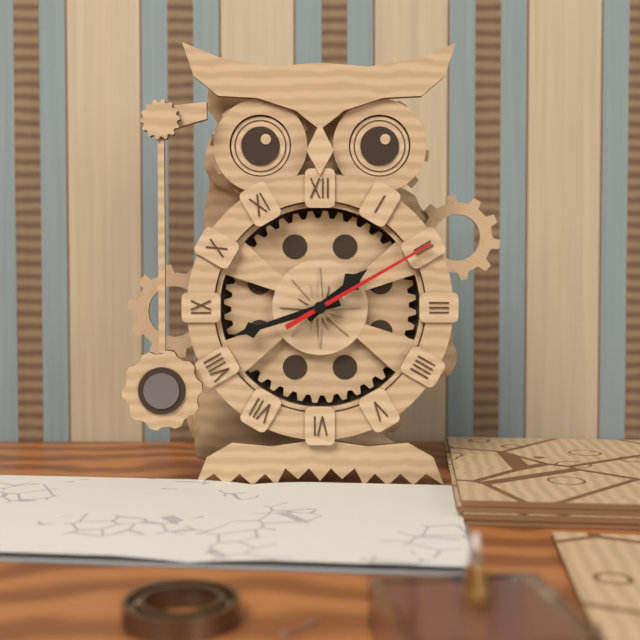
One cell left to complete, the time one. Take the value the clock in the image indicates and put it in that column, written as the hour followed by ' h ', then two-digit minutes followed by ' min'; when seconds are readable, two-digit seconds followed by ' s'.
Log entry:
1 h 42 min 10 s
